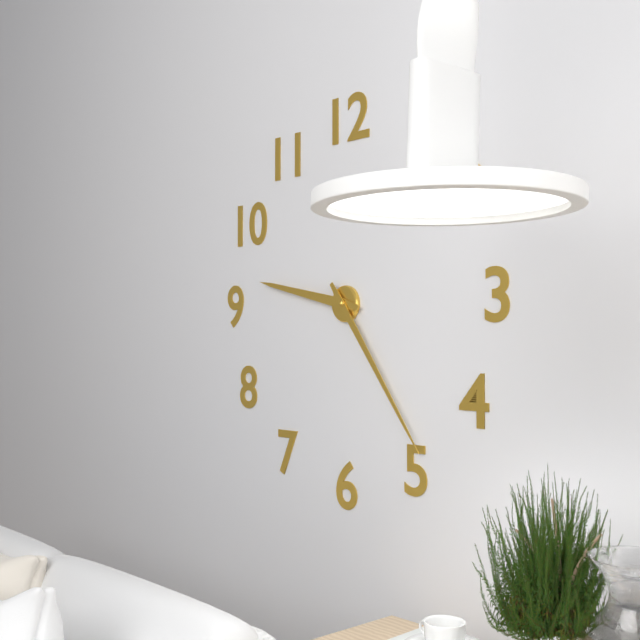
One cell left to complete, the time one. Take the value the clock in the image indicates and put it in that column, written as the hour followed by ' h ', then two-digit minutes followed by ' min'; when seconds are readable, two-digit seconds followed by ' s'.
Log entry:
9 h 24 min
